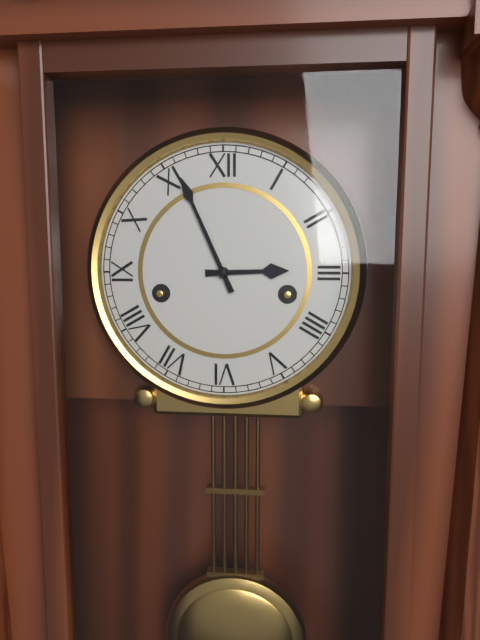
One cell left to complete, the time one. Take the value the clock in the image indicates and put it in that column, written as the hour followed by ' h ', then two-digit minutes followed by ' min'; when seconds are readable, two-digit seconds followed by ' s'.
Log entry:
2 h 56 min
